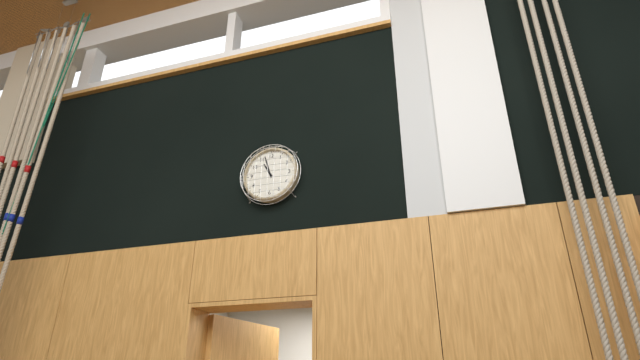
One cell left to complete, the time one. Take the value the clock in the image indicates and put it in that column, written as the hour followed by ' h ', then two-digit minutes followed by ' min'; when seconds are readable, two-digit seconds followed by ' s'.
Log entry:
10 h 57 min
